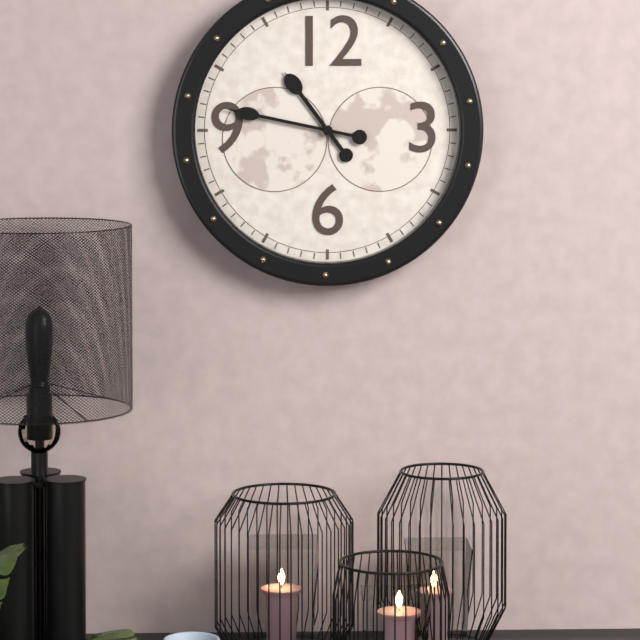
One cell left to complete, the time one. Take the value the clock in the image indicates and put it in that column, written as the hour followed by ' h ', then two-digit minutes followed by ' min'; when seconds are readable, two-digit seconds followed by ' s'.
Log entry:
10 h 47 min
